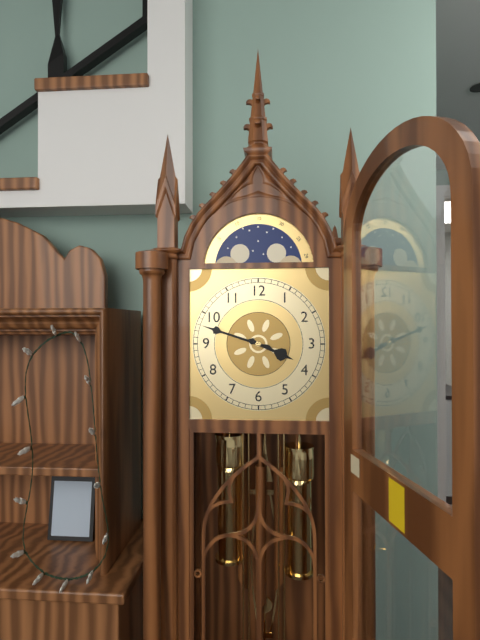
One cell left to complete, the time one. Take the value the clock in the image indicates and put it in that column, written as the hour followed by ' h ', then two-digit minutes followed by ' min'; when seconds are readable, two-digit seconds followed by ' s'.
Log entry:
3 h 48 min
